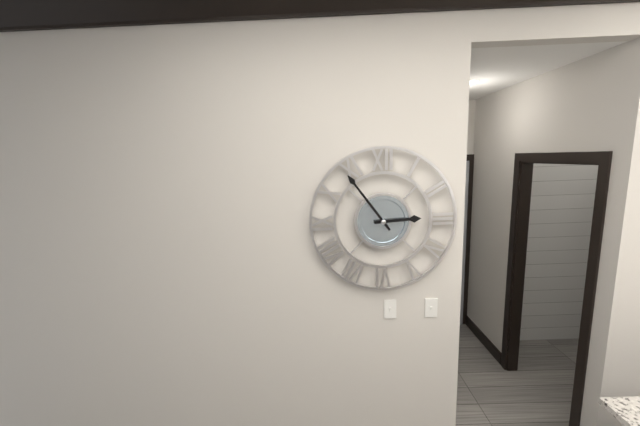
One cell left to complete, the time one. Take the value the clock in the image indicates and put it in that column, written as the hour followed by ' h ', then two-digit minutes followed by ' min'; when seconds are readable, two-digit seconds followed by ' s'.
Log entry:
2 h 54 min
